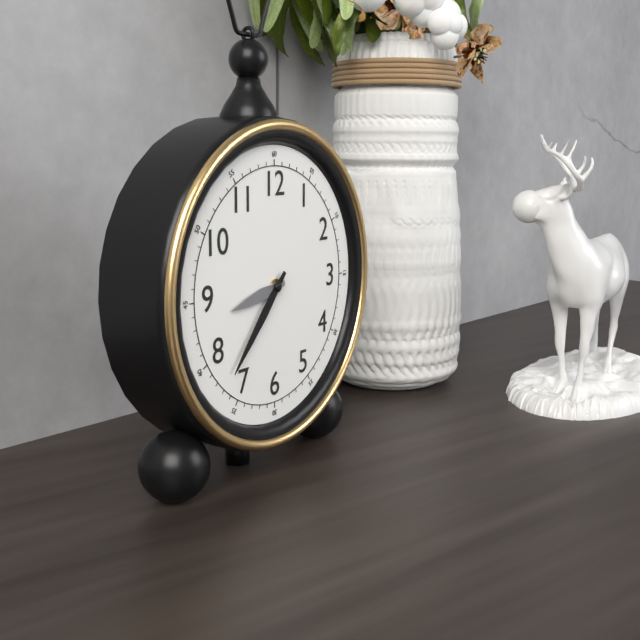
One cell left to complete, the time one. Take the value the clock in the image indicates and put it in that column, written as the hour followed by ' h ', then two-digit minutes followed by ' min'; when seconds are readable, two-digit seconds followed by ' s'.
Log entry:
8 h 37 min
